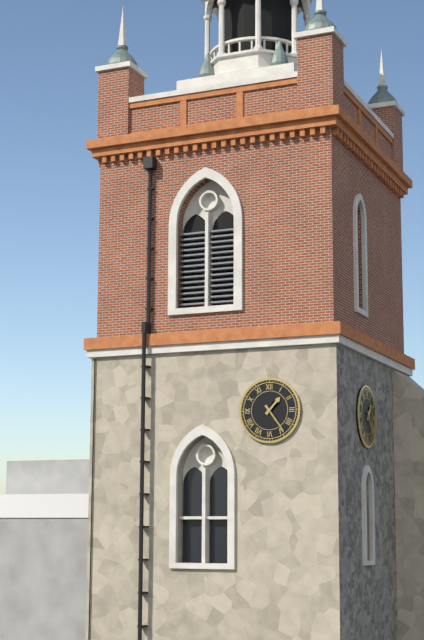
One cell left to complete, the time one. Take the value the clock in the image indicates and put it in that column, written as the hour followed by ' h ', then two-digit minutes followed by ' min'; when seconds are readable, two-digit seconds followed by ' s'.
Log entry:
1 h 24 min
